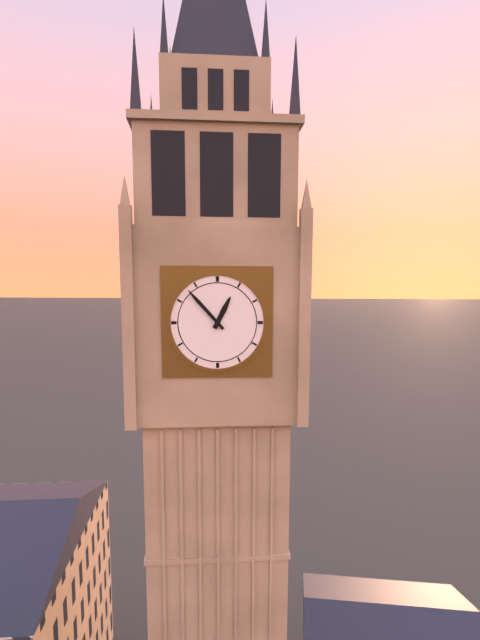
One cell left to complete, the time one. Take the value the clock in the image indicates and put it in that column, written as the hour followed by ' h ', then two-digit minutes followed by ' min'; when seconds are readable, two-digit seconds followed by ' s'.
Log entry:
12 h 53 min
